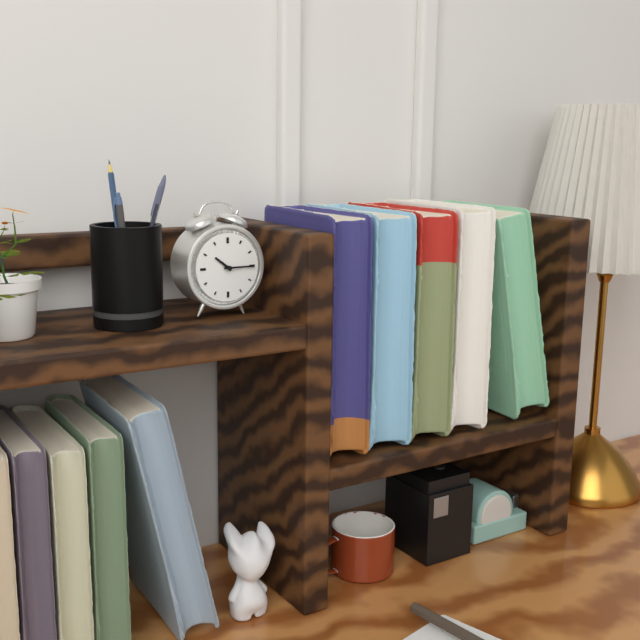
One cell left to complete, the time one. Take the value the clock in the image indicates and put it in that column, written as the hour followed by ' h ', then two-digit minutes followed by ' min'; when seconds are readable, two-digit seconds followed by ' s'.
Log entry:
10 h 15 min
